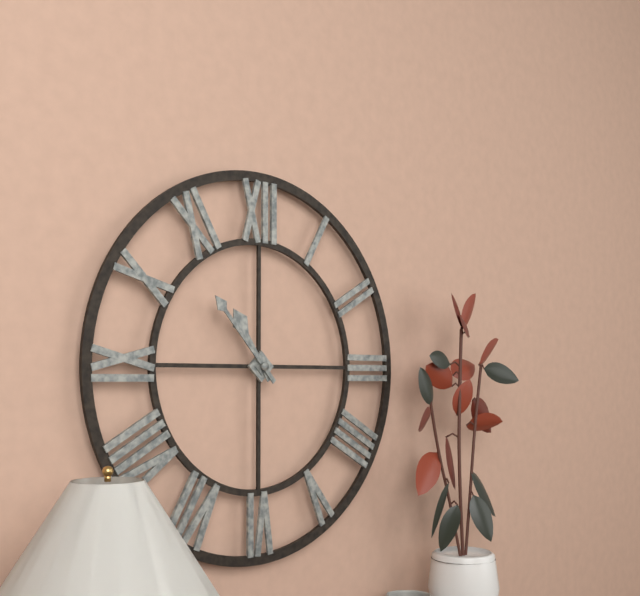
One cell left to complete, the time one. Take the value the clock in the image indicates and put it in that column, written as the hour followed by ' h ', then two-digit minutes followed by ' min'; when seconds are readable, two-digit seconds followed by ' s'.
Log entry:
10 h 53 min
